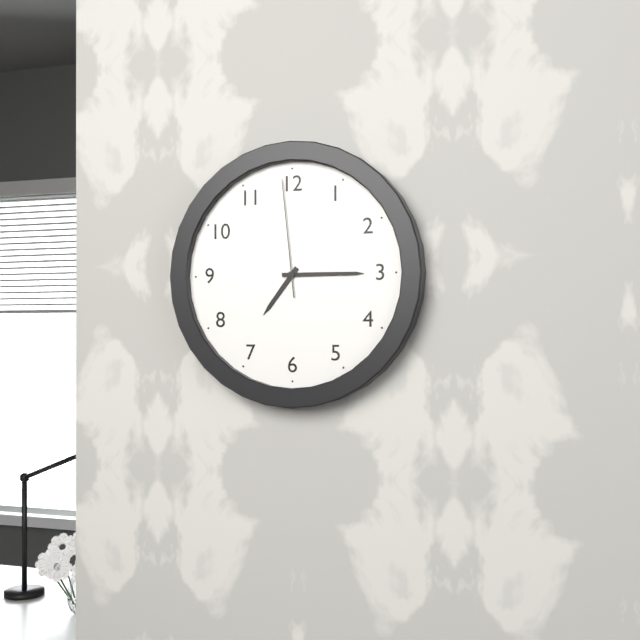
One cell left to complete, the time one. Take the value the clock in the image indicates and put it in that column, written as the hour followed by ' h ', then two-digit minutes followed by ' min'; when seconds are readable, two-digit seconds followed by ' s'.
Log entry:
7 h 15 min 59 s
